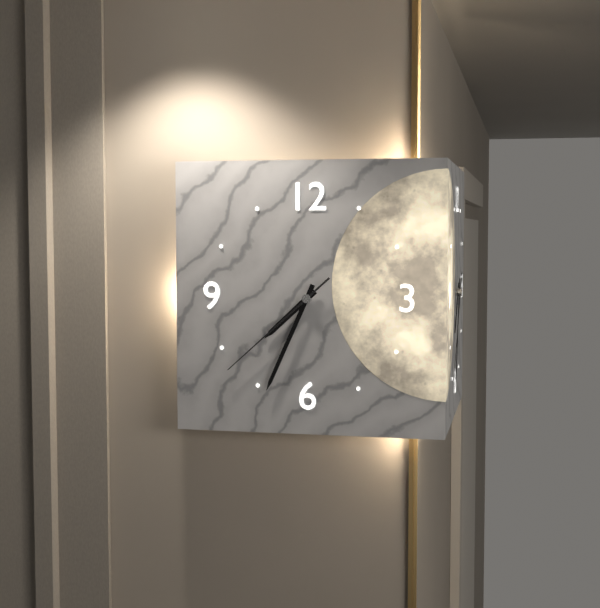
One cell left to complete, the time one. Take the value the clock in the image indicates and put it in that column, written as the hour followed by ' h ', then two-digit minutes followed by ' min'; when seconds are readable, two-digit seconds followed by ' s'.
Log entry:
7 h 34 min 38 s
